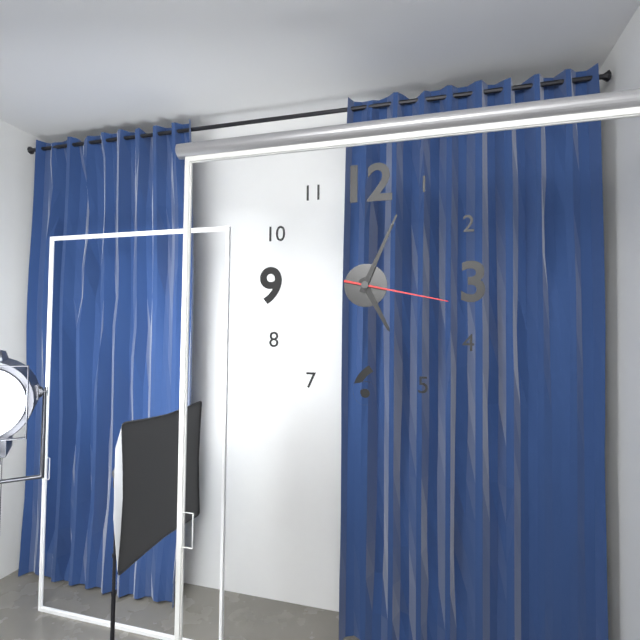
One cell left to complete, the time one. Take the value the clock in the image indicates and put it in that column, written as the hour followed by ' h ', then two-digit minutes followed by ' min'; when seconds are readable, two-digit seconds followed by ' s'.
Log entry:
5 h 04 min 17 s
